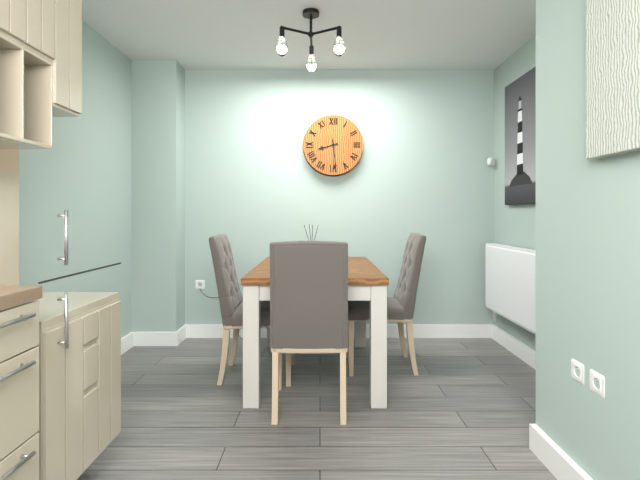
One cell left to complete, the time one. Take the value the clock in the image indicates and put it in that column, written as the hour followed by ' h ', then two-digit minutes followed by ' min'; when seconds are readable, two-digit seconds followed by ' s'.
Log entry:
8 h 29 min
